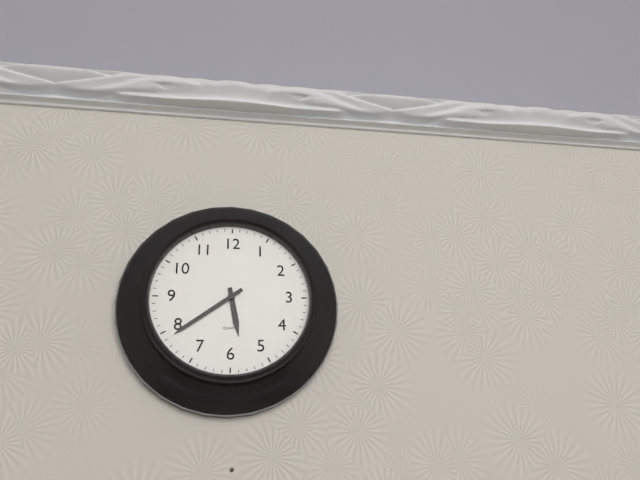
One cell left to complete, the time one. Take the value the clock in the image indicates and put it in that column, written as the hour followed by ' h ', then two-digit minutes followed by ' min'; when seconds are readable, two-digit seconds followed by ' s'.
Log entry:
5 h 39 min
